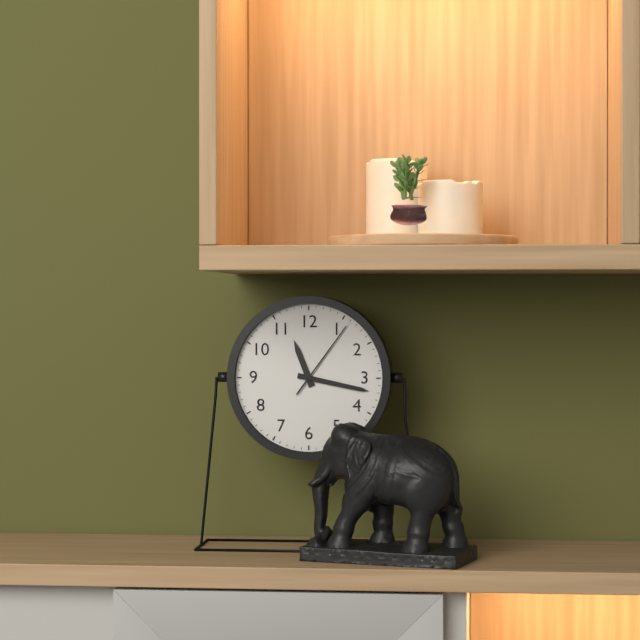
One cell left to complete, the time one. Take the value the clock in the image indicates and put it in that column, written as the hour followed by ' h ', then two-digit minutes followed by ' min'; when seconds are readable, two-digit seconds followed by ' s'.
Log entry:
11 h 17 min 06 s
